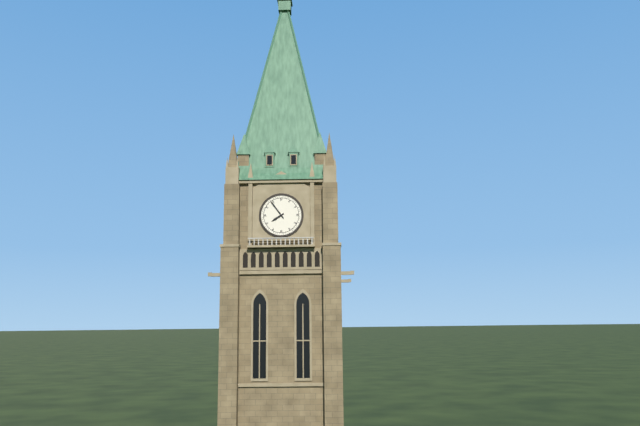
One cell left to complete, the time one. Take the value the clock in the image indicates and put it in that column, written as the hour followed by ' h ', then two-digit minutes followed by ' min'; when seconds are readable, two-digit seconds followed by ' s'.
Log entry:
7 h 54 min
